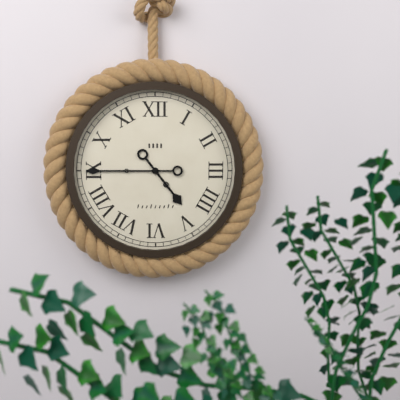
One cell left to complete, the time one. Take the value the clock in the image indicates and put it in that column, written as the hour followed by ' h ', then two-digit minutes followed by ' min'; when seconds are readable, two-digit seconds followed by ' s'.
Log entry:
4 h 45 min
